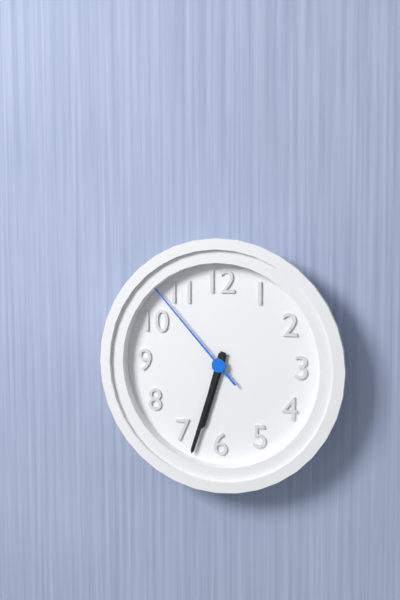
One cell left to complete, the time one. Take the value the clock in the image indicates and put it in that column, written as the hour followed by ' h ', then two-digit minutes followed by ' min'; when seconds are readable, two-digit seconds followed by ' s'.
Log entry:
6 h 33 min 53 s
